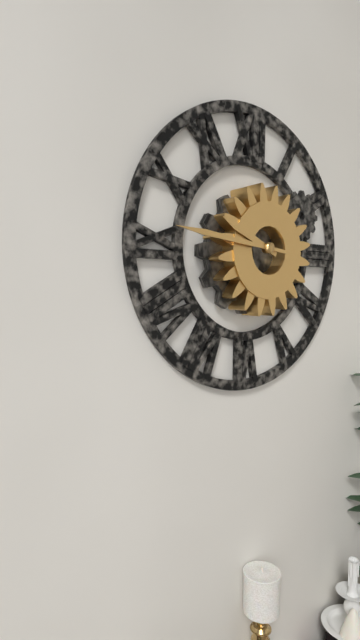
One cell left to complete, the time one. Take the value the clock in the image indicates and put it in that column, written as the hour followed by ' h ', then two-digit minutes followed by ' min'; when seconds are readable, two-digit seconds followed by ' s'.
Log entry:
9 h 46 min
